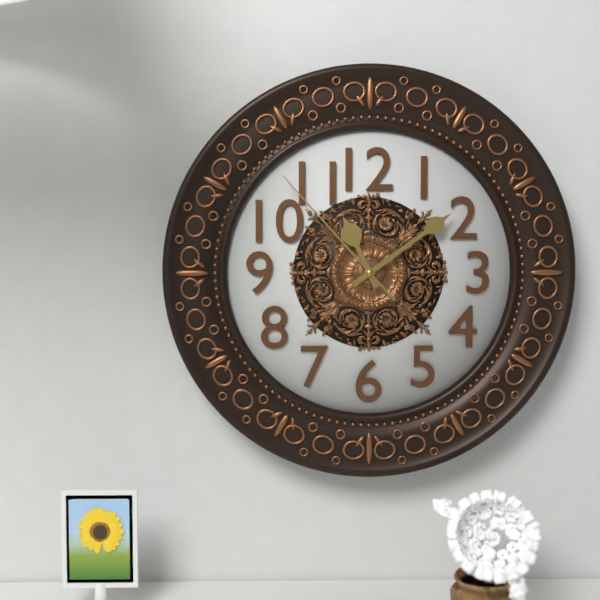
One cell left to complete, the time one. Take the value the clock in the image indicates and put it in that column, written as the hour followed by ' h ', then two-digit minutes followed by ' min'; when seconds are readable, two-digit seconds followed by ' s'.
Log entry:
11 h 09 min 53 s
